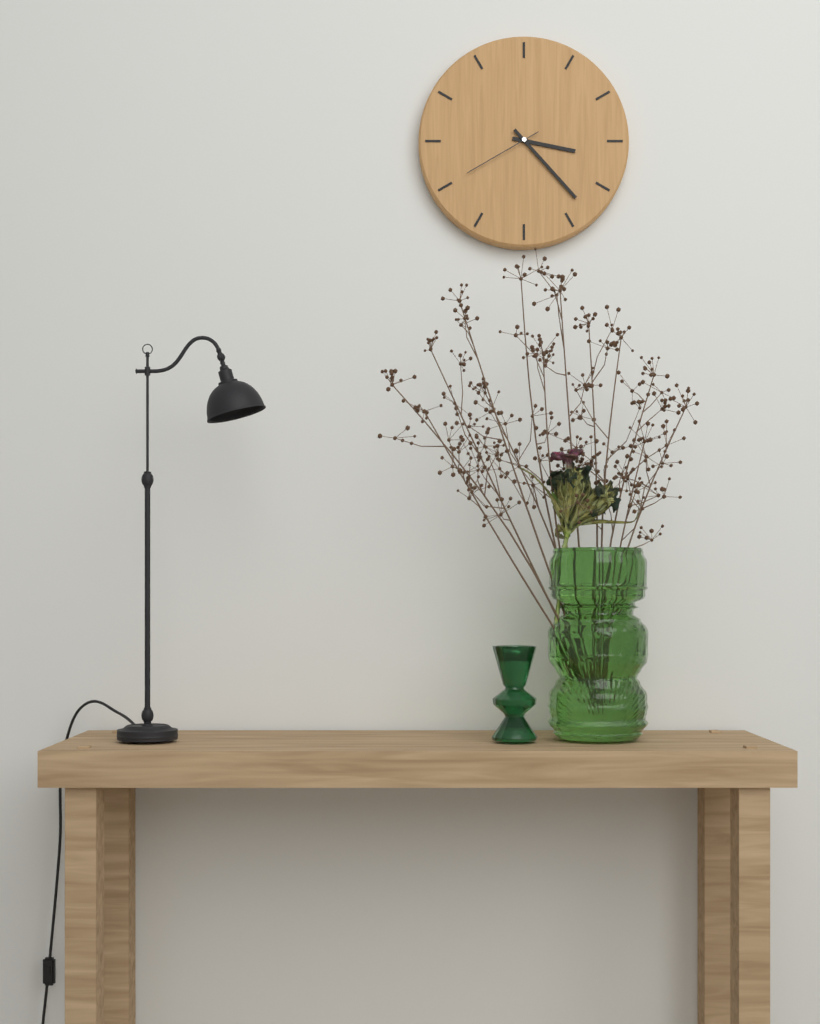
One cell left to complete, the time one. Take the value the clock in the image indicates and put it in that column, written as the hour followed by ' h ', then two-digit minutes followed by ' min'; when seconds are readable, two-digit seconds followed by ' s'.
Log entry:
3 h 23 min 40 s
